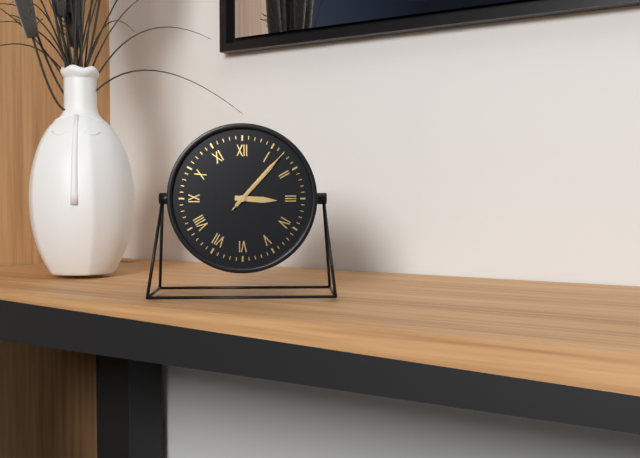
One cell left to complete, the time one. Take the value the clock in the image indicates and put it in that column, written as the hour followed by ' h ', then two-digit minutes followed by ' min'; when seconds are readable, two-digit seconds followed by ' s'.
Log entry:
3 h 07 min 07 s
